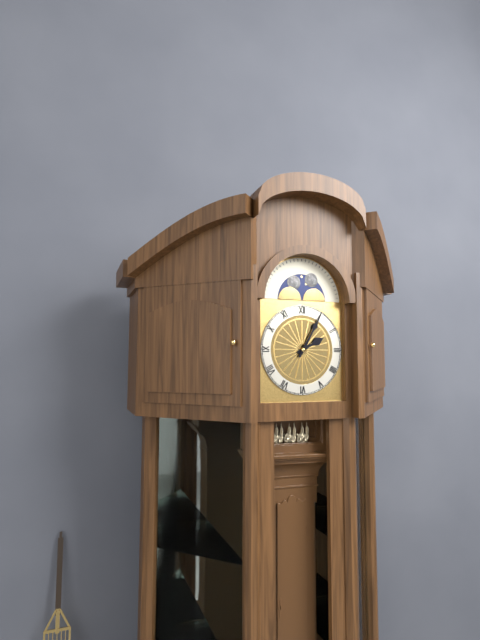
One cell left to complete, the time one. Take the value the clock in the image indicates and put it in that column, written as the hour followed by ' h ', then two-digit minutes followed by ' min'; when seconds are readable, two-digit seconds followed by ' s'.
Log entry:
2 h 05 min
